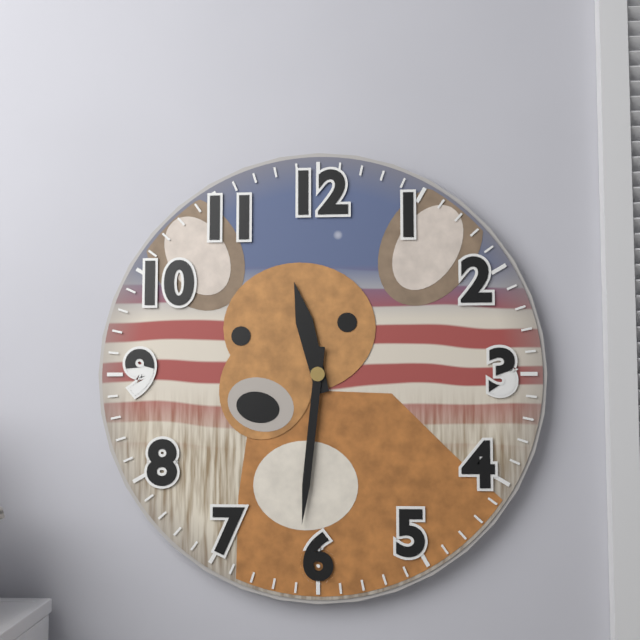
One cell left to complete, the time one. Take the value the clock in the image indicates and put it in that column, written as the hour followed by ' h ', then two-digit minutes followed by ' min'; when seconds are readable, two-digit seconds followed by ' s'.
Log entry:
11 h 31 min
